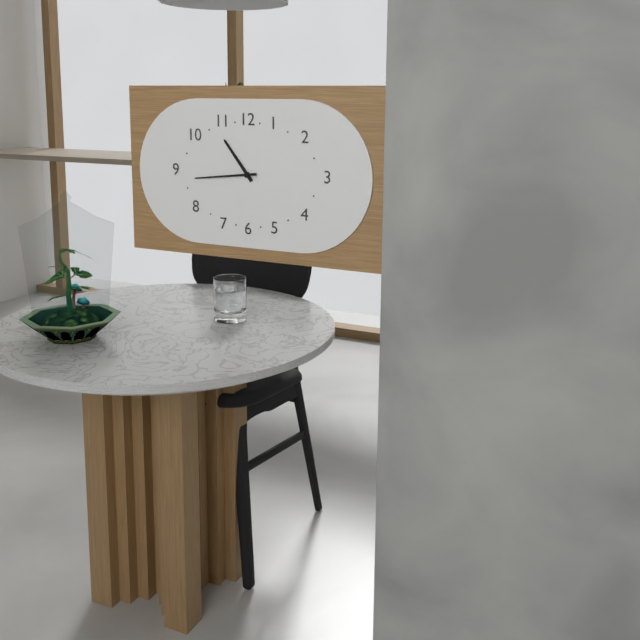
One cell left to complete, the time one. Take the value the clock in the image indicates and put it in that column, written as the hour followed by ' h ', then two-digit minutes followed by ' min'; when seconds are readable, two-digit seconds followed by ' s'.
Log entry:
10 h 44 min
